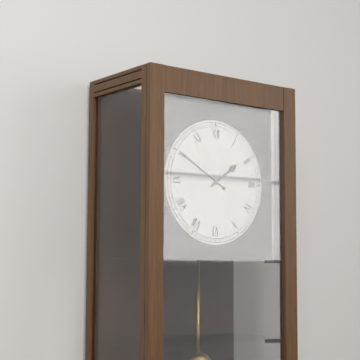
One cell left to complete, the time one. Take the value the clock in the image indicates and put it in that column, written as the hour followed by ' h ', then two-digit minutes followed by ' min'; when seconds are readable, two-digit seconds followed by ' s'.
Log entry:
1 h 50 min
